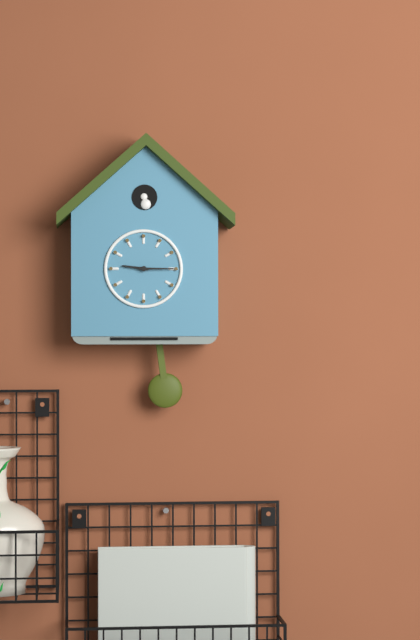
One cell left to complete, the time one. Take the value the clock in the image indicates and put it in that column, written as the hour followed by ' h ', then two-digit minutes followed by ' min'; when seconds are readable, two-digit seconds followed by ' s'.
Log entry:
9 h 15 min
